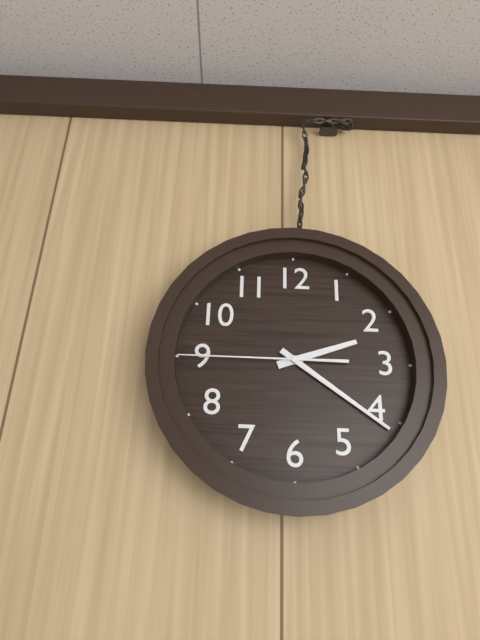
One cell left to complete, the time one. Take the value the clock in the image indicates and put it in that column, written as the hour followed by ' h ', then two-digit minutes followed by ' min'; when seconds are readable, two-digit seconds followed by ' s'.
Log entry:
2 h 21 min 45 s
